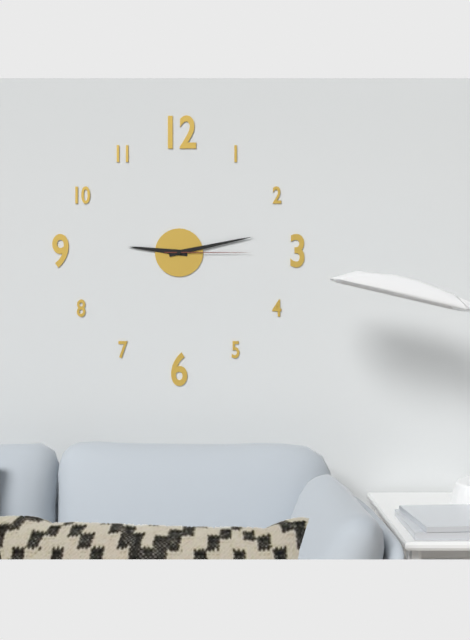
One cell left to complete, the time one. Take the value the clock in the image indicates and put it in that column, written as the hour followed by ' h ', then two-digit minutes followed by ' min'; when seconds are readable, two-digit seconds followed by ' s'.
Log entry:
9 h 13 min 15 s
